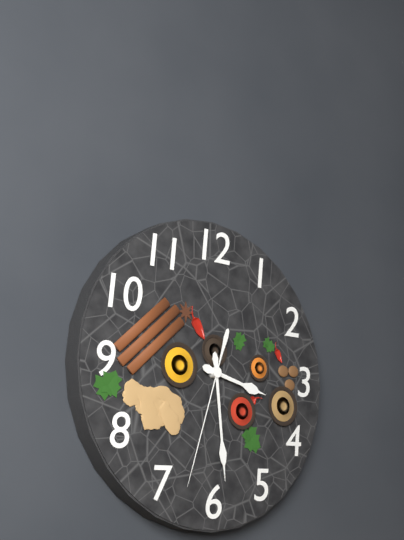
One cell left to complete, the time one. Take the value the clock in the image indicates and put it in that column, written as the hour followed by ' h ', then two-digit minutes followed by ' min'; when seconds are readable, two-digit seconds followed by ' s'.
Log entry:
3 h 29 min 33 s
